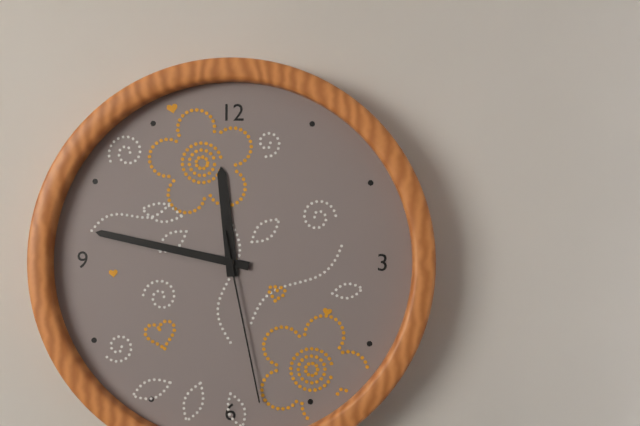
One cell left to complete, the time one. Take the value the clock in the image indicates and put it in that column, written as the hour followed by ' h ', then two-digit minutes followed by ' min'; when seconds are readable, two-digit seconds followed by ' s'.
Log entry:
11 h 47 min 28 s
